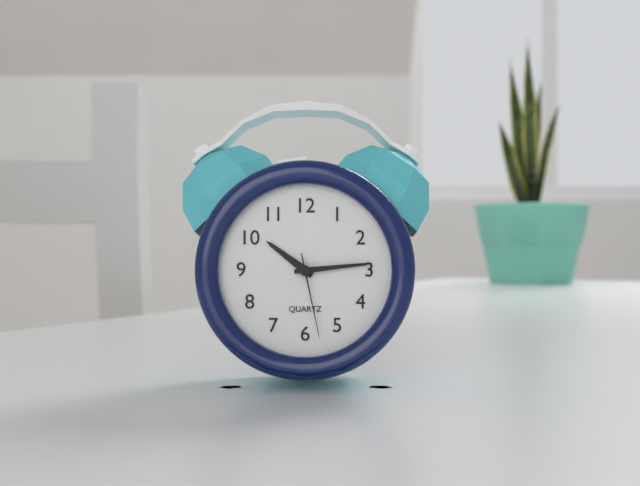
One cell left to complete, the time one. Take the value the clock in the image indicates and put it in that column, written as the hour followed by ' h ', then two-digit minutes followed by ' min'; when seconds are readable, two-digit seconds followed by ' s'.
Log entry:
10 h 14 min 28 s
